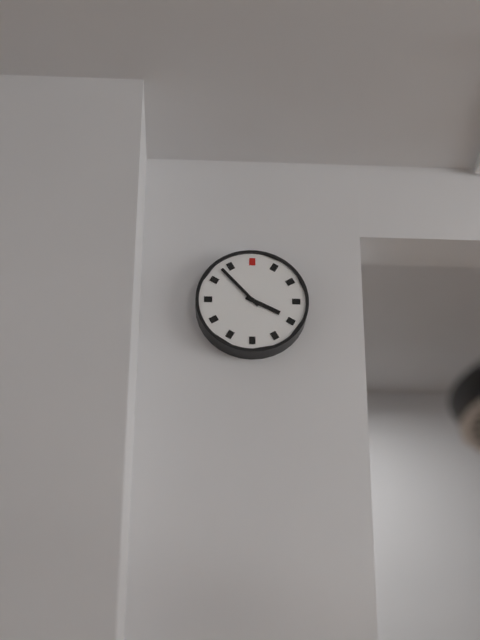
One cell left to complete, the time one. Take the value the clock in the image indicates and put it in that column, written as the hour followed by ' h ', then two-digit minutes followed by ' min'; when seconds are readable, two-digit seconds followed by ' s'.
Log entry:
3 h 53 min
